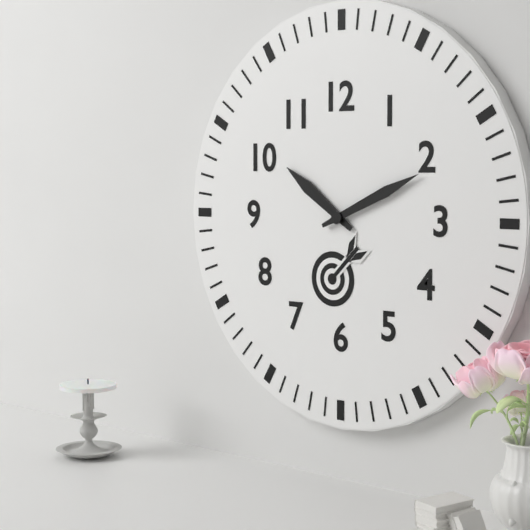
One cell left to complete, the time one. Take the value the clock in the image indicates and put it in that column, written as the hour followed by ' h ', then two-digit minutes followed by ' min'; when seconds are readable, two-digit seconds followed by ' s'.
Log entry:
10 h 11 min
